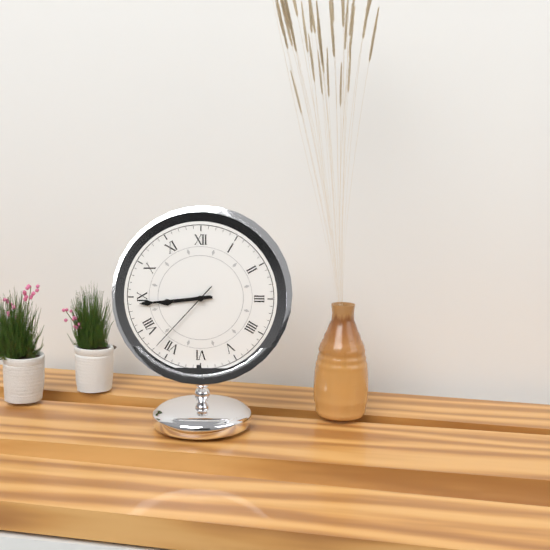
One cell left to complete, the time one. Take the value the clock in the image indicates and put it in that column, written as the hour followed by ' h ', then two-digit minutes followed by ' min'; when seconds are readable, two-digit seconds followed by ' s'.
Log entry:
8 h 44 min 37 s
